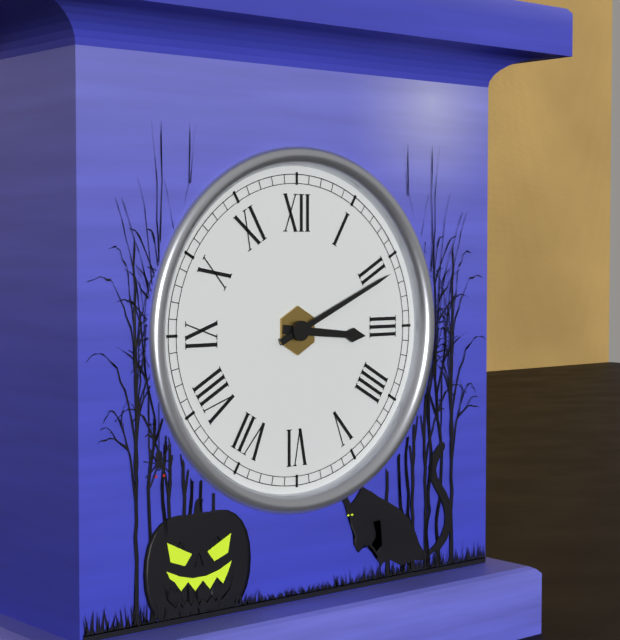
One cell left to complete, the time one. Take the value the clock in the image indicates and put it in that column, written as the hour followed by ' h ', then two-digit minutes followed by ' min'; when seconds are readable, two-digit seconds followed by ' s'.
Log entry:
3 h 11 min
